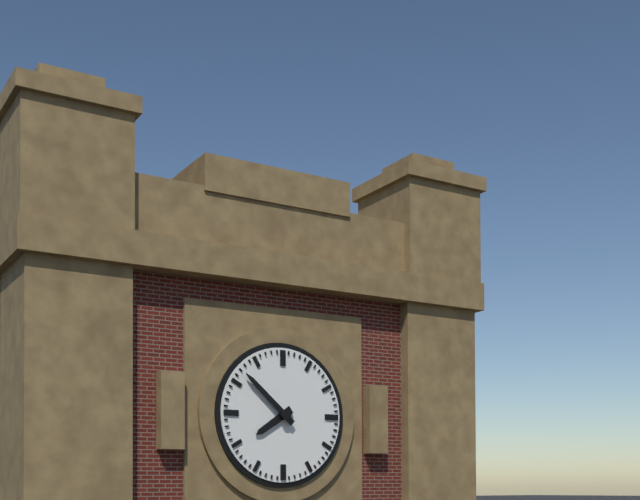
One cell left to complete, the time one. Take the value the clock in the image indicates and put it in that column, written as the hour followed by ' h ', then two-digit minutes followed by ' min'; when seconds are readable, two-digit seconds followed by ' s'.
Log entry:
7 h 52 min
